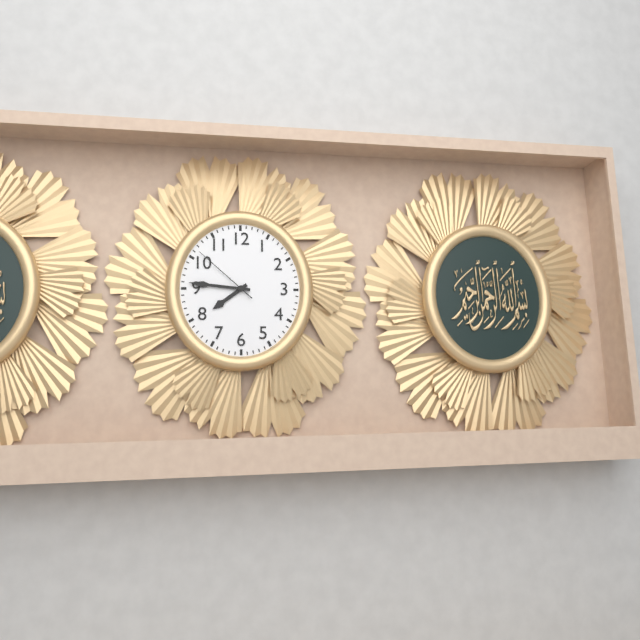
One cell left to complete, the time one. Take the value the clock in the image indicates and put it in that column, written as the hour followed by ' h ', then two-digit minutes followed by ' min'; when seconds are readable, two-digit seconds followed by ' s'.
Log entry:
7 h 46 min 52 s
